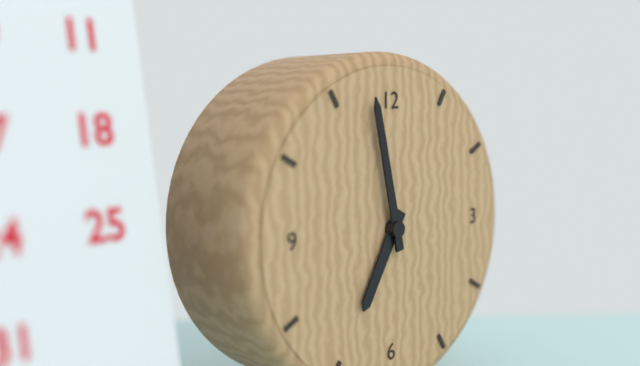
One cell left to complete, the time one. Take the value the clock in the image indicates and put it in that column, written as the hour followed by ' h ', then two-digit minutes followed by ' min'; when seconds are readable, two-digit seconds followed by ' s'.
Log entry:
6 h 58 min
